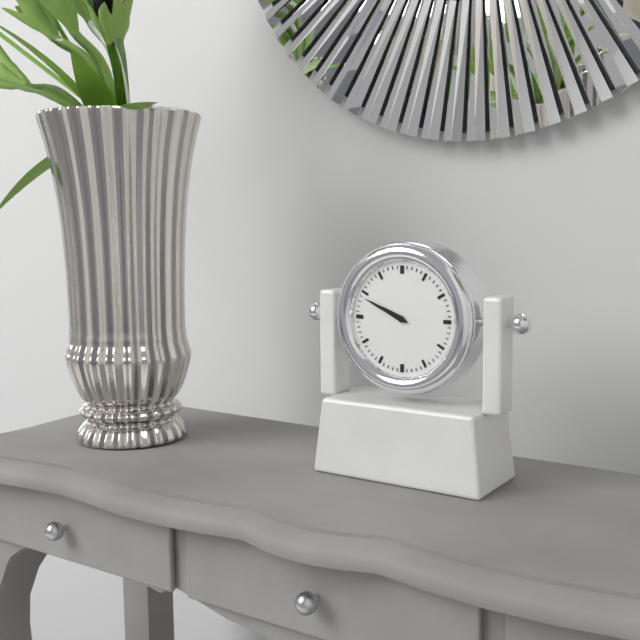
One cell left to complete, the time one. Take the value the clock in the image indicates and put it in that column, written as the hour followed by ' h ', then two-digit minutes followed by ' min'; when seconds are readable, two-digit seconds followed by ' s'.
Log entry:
9 h 49 min
